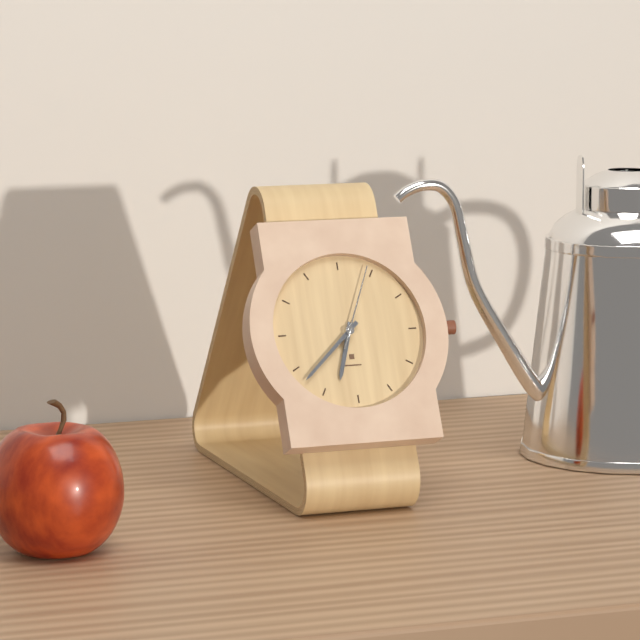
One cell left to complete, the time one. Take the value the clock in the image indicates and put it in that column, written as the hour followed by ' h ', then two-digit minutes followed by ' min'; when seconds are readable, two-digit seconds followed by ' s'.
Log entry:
6 h 38 min 04 s
